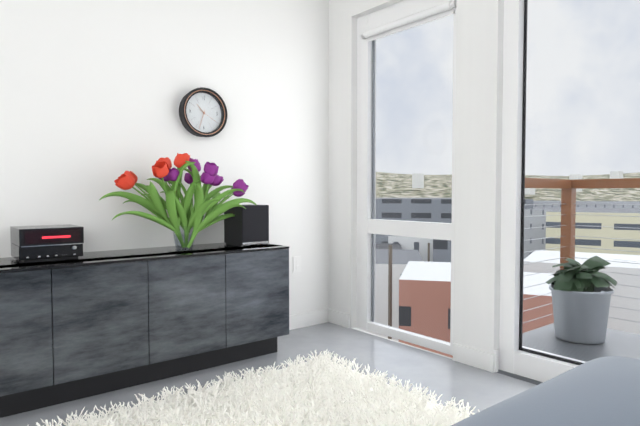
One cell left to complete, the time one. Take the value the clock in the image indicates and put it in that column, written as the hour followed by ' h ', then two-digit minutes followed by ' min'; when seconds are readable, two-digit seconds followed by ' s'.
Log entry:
10 h 33 min
